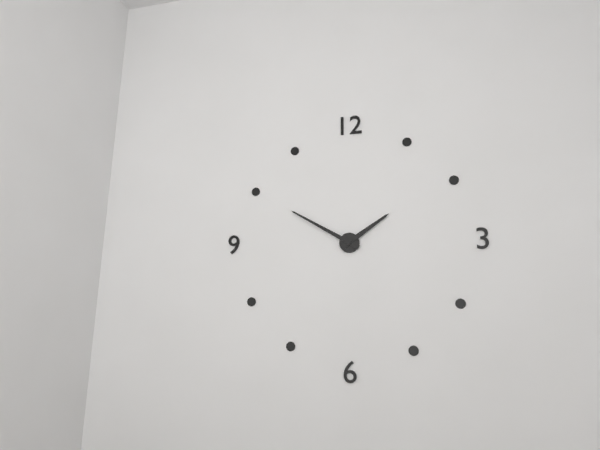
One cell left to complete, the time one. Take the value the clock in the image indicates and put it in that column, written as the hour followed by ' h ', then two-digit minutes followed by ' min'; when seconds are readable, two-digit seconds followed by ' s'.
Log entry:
1 h 50 min
